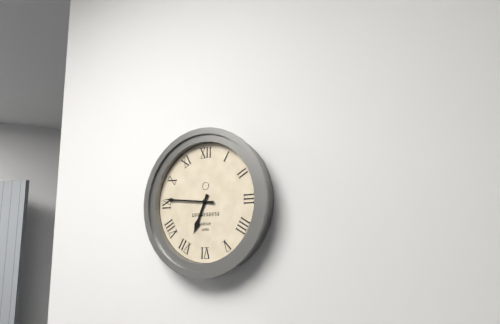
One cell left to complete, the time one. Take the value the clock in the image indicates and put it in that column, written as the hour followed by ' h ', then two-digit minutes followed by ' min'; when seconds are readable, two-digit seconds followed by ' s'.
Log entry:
6 h 46 min
